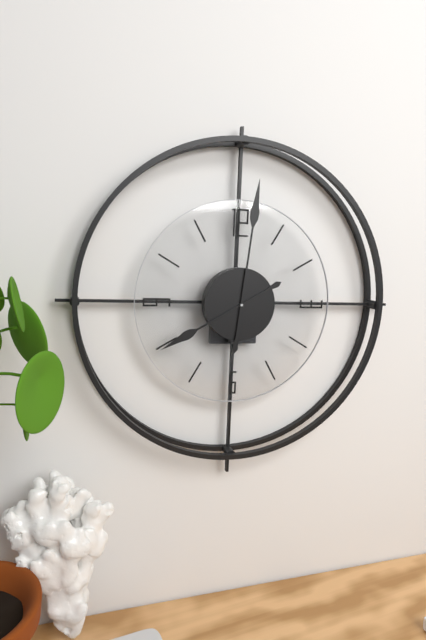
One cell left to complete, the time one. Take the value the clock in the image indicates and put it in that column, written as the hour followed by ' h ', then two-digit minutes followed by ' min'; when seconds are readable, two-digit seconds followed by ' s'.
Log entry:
8 h 01 min
